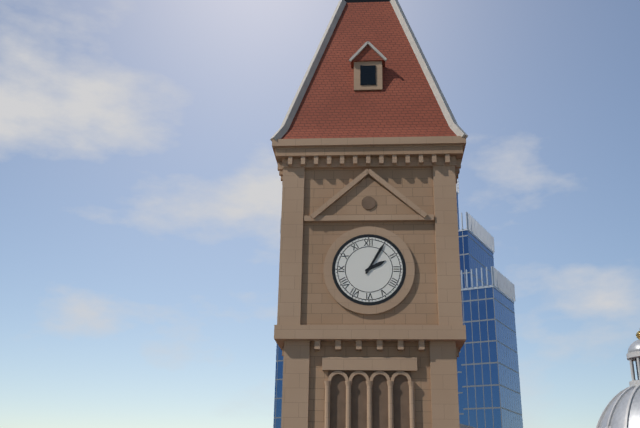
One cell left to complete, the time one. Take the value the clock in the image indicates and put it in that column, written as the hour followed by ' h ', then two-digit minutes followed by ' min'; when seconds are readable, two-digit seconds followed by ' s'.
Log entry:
2 h 05 min
